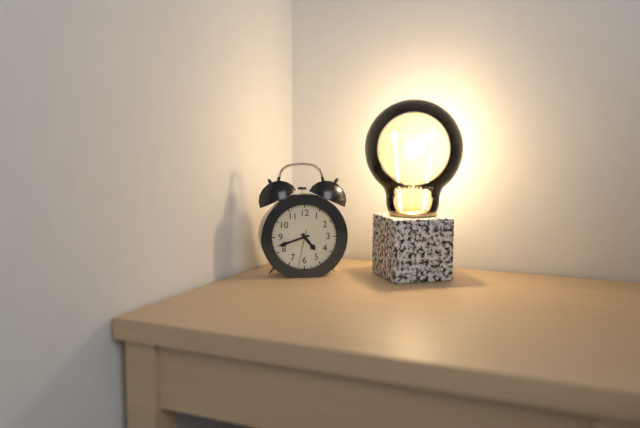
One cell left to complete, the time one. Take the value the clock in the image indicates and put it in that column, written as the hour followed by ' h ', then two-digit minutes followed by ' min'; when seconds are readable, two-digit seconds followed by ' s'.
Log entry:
4 h 42 min
